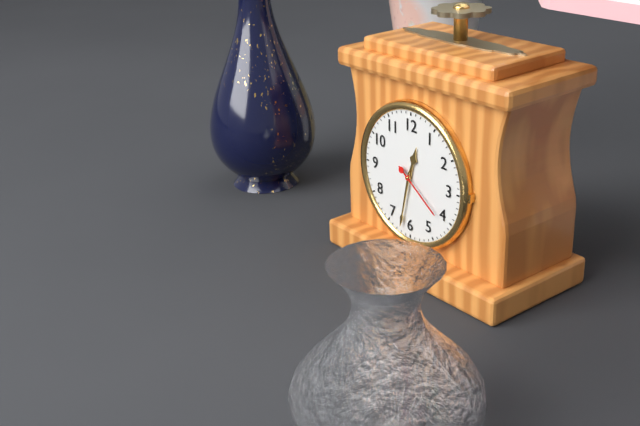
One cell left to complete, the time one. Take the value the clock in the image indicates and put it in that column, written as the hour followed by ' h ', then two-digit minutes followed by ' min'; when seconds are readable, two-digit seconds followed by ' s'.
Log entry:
12 h 32 min 21 s
